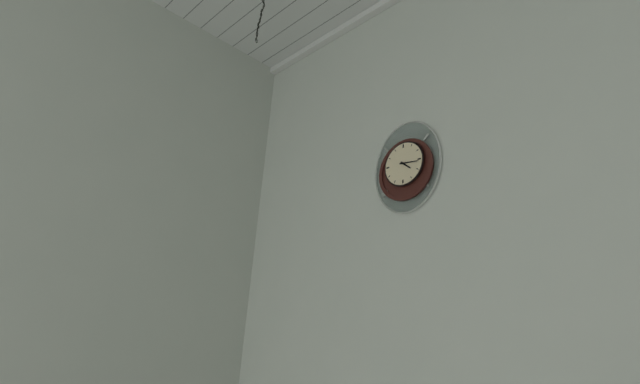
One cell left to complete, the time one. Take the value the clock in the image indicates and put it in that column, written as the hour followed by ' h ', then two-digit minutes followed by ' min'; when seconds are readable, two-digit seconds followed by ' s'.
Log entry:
4 h 16 min
